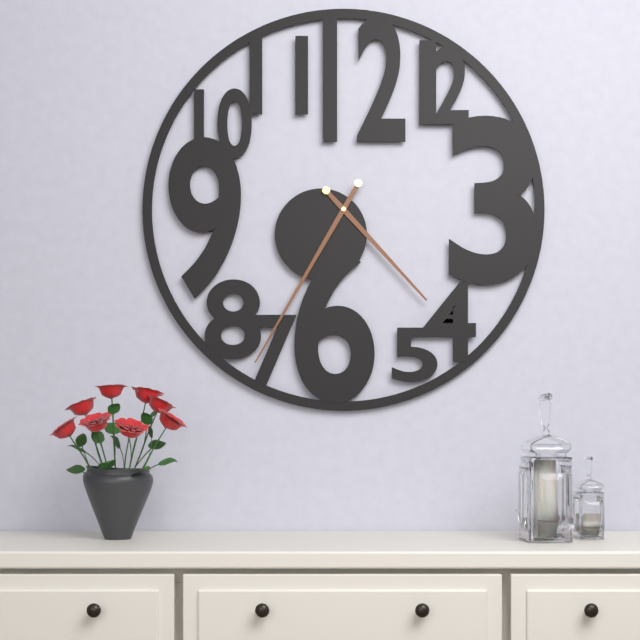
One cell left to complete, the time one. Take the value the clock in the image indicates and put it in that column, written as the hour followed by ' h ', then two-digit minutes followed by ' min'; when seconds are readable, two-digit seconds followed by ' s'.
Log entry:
4 h 35 min
